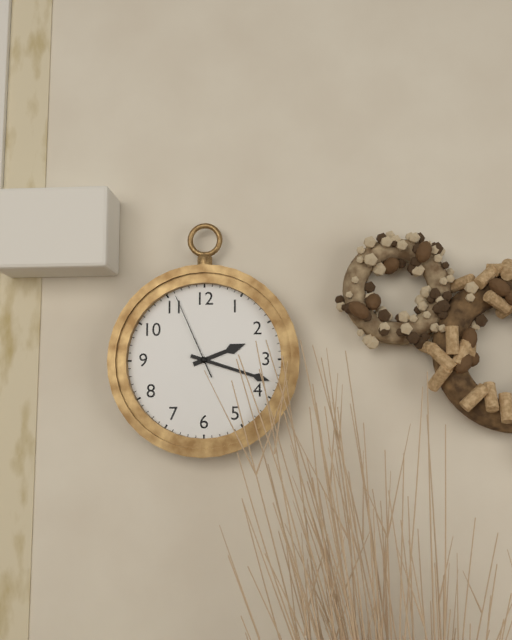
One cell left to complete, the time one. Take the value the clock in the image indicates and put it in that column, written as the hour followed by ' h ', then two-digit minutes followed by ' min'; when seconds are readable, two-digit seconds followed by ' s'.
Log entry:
2 h 18 min 56 s
